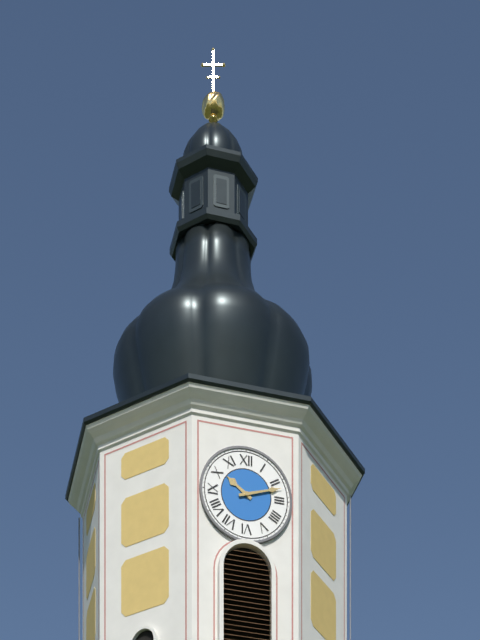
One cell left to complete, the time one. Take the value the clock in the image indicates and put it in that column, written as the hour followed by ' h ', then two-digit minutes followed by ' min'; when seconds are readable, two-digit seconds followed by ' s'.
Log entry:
10 h 12 min
